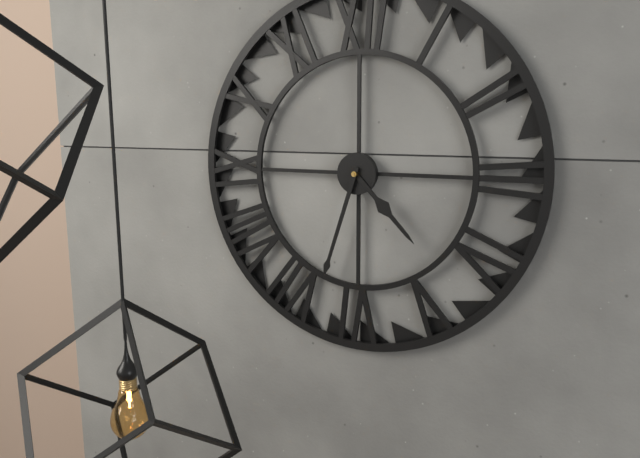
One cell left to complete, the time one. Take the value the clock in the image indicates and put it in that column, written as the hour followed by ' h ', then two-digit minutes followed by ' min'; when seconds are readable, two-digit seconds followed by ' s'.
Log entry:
4 h 33 min
